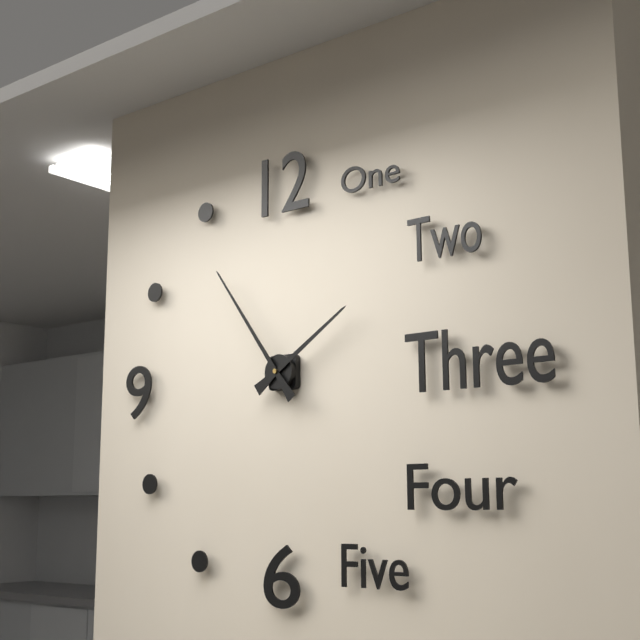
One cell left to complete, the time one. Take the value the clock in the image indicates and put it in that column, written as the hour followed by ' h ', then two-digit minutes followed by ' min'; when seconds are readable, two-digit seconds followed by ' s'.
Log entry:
1 h 54 min
